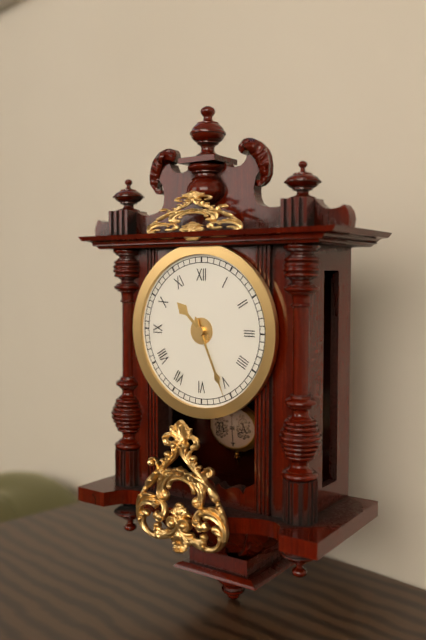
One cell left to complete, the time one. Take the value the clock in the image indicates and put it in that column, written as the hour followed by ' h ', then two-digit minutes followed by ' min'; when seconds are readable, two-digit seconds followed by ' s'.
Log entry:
10 h 26 min
